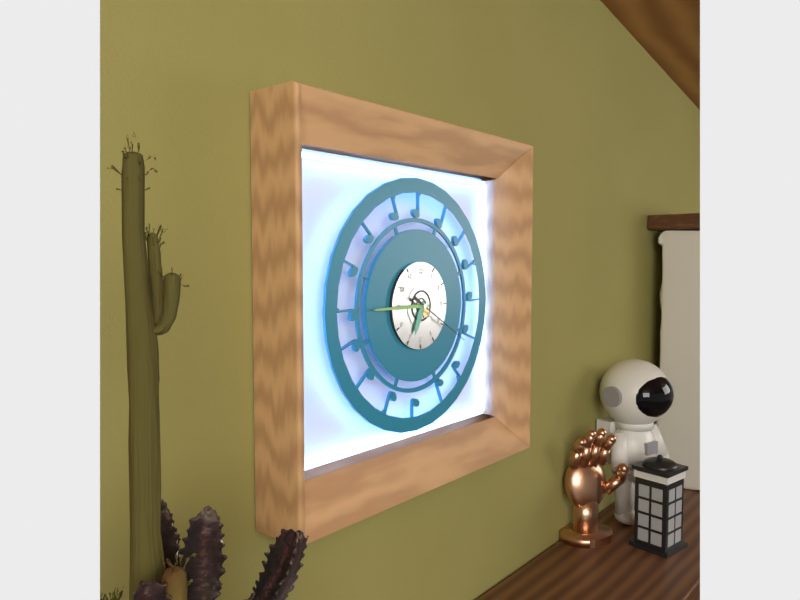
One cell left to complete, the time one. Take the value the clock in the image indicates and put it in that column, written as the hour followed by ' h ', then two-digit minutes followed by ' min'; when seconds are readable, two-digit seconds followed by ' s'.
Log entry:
6 h 45 min 20 s
